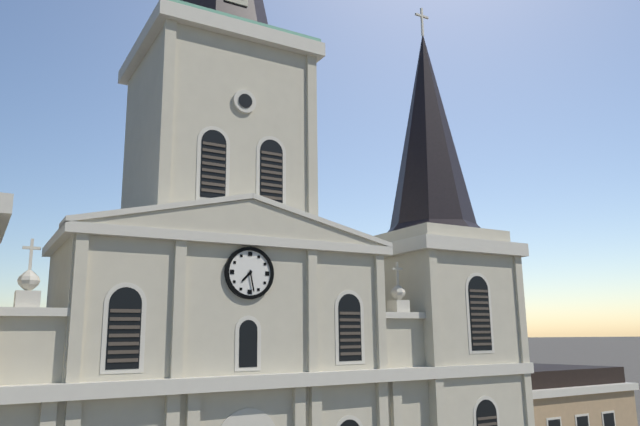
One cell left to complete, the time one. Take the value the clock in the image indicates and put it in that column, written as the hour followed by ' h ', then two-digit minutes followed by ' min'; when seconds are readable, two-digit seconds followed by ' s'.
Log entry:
7 h 28 min
